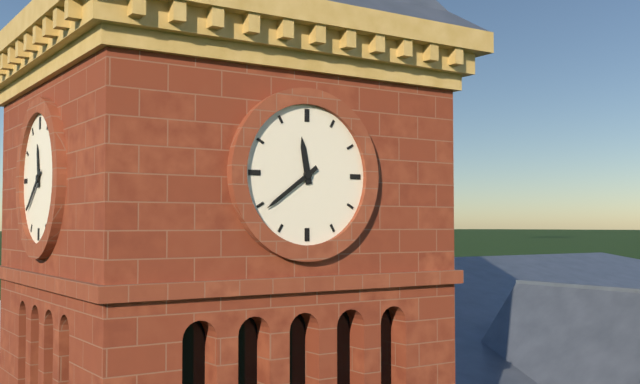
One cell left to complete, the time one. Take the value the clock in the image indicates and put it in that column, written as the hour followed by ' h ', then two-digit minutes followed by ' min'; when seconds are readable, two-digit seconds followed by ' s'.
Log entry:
11 h 39 min
